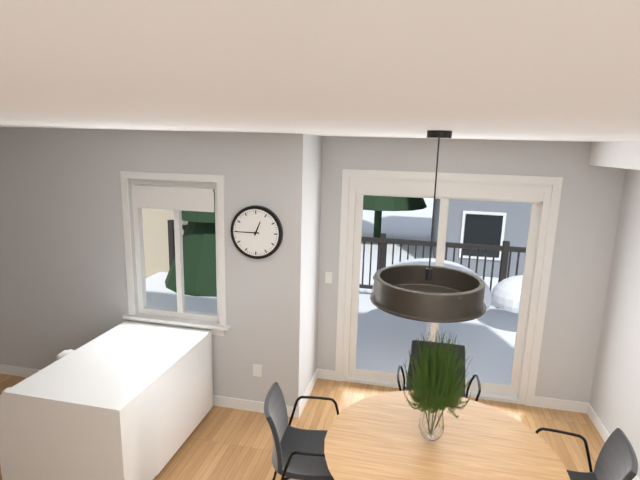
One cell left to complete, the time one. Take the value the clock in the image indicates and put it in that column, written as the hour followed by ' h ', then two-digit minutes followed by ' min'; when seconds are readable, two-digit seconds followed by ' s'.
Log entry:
12 h 45 min
